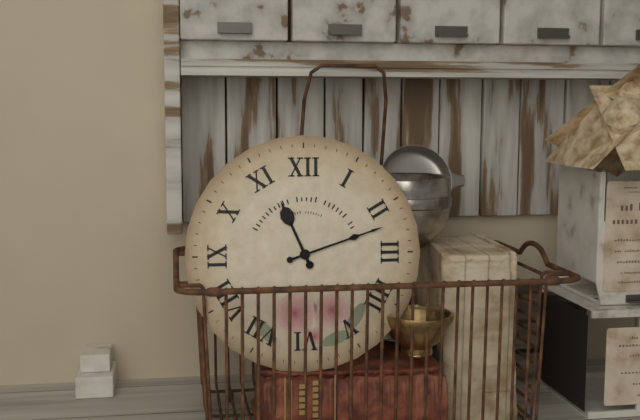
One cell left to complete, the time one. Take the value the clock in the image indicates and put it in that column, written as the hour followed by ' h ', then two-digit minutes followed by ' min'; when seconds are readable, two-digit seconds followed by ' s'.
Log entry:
11 h 12 min
